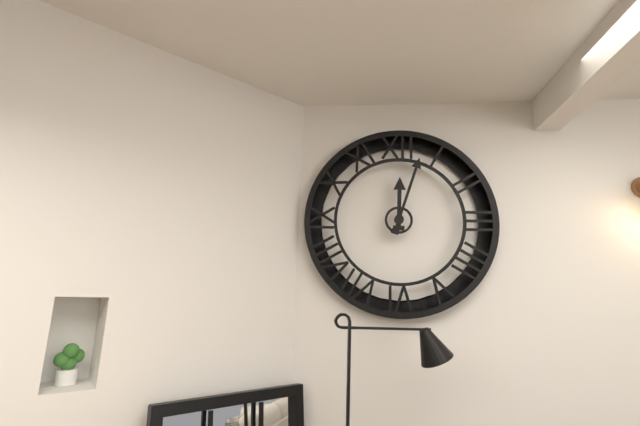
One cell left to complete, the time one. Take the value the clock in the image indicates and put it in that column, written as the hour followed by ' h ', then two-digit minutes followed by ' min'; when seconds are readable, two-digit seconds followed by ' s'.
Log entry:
12 h 03 min
